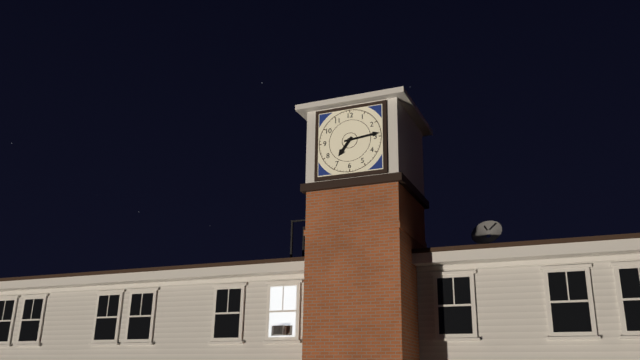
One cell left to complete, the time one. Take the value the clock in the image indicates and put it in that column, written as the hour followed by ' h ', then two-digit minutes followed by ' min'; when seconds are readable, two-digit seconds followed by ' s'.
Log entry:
7 h 14 min
